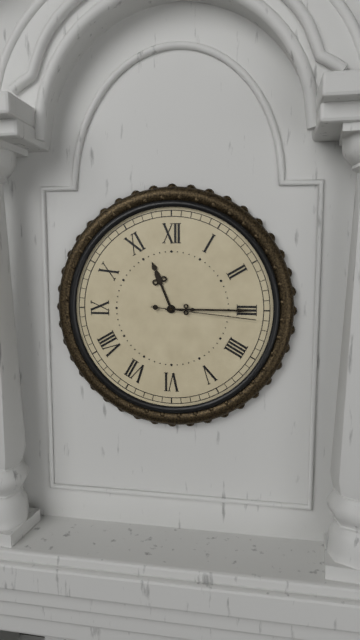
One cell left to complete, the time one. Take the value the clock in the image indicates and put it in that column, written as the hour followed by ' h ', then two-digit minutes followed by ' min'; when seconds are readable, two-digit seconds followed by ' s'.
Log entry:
11 h 15 min 16 s
